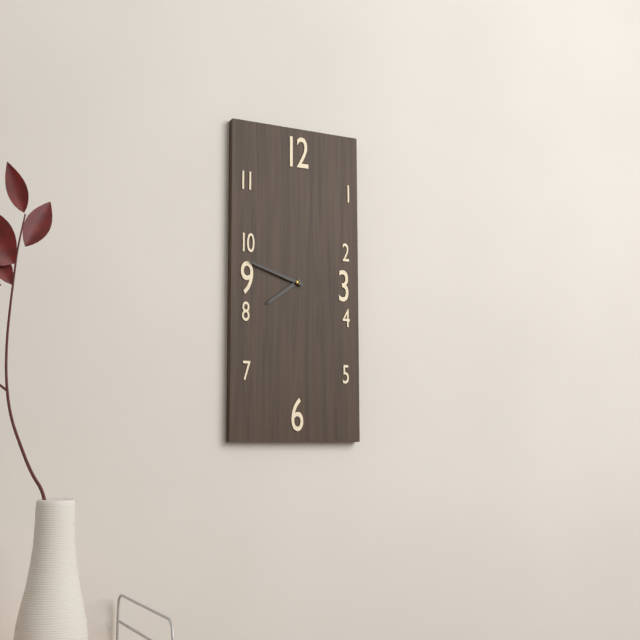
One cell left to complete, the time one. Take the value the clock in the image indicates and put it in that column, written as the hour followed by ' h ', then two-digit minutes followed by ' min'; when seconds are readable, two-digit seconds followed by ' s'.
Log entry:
7 h 48 min
